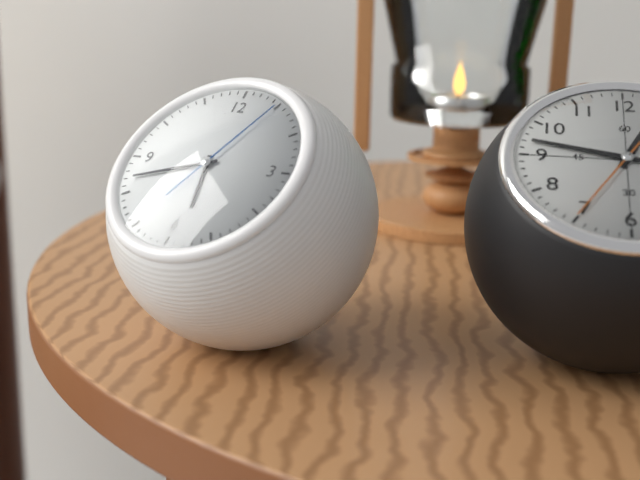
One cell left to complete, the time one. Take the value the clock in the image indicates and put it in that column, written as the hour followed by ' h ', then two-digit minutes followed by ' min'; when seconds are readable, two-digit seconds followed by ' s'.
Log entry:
5 h 42 min 05 s
